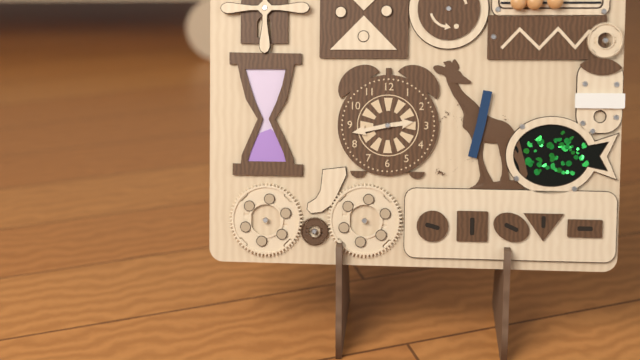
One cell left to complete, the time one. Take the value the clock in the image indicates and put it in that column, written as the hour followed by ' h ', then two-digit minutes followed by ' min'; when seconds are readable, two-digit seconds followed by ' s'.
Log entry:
2 h 43 min
